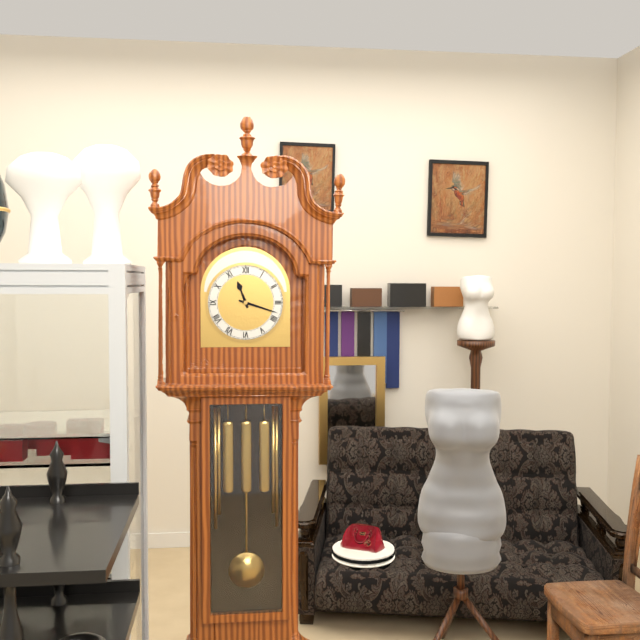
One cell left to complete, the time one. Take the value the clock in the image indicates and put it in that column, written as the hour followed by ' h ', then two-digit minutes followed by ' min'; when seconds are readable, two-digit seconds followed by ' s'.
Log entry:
11 h 18 min
